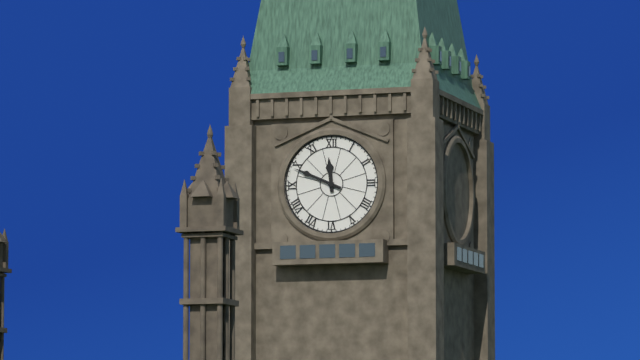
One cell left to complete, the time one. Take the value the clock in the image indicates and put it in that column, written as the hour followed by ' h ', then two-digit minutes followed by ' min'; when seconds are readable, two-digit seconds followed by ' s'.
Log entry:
11 h 49 min
